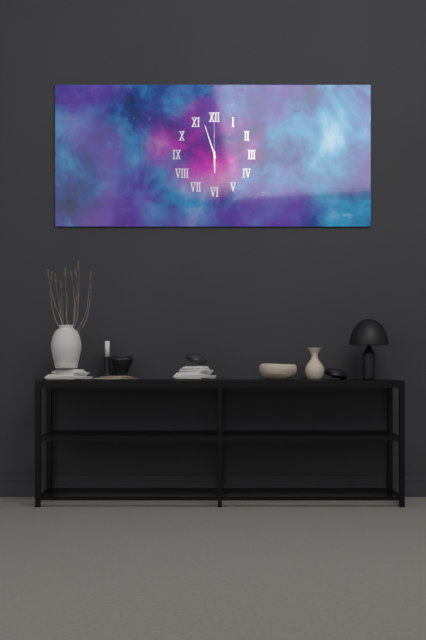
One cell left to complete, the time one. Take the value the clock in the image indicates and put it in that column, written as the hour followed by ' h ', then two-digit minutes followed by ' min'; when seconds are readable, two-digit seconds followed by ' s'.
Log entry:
5 h 57 min
